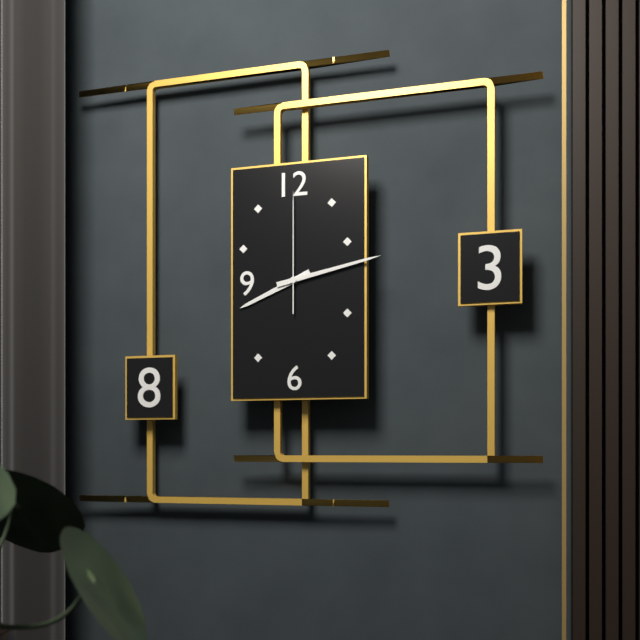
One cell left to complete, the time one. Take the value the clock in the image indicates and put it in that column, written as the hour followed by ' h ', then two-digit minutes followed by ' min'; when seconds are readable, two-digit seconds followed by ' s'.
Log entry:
8 h 13 min 00 s
